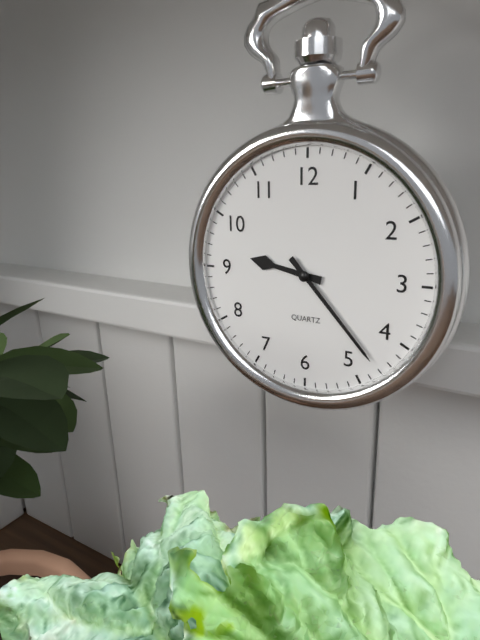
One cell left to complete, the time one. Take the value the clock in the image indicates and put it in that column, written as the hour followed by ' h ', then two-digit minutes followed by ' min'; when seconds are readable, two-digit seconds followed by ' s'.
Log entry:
9 h 23 min
